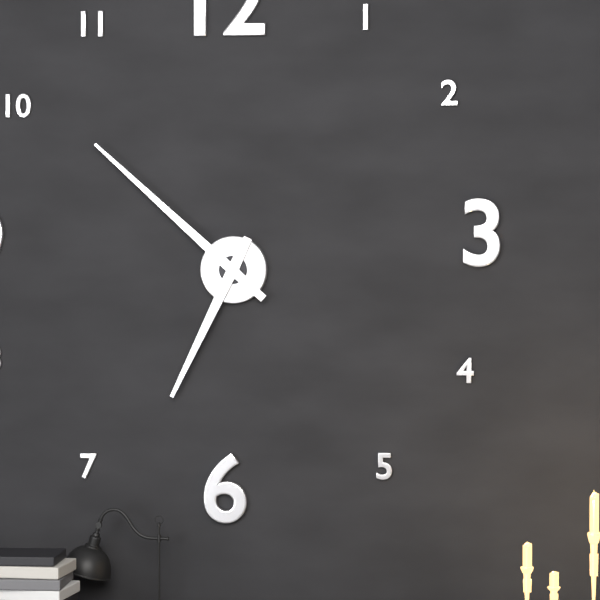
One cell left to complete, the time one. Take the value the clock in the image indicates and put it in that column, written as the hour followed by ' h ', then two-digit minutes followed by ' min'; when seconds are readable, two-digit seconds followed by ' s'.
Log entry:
6 h 52 min
